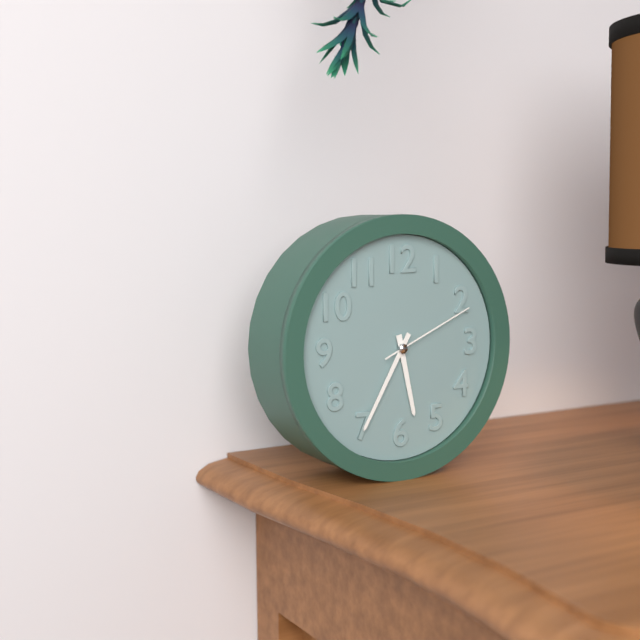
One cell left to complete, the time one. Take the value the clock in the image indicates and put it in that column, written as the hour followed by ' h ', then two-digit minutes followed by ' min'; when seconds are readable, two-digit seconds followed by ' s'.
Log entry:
5 h 35 min 11 s
